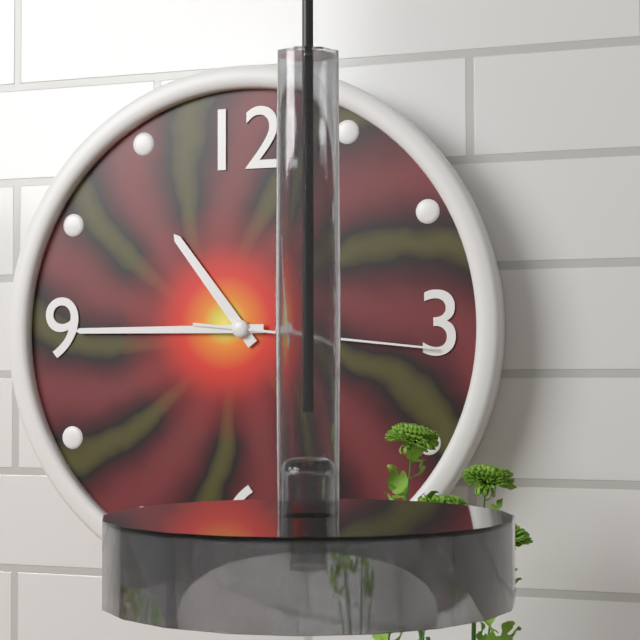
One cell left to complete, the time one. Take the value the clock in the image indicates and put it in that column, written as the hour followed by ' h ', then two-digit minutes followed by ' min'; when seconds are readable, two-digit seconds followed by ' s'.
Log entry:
10 h 45 min 16 s
